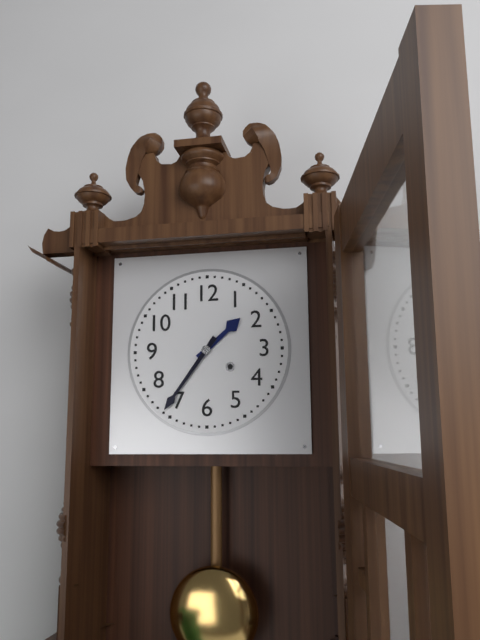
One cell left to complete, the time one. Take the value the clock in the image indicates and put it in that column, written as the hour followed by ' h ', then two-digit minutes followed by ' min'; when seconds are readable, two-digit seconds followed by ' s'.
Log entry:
1 h 36 min
